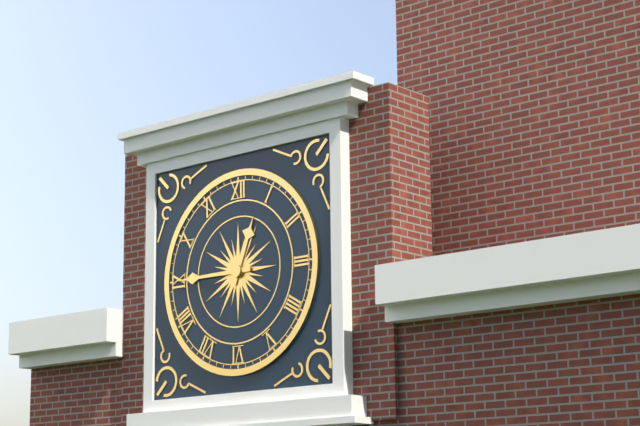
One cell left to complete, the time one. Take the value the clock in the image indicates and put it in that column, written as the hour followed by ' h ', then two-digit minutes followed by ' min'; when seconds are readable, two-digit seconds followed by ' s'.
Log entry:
12 h 45 min
